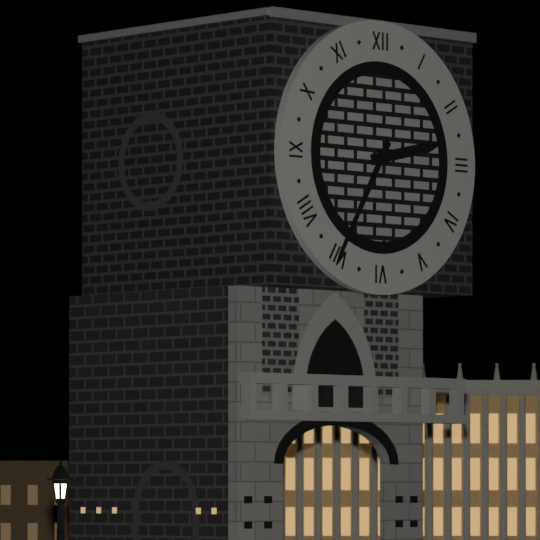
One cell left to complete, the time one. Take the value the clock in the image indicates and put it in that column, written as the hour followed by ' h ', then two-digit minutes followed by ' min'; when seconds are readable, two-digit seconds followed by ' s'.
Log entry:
2 h 35 min
